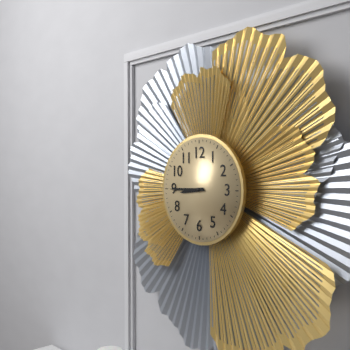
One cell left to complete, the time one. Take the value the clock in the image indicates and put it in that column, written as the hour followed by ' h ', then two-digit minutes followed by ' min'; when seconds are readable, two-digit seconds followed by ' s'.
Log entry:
8 h 45 min
